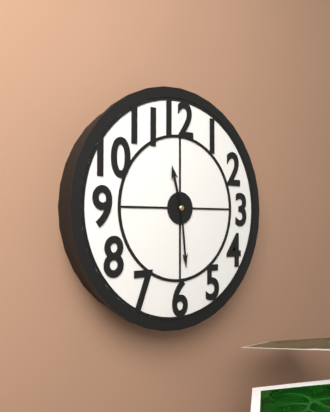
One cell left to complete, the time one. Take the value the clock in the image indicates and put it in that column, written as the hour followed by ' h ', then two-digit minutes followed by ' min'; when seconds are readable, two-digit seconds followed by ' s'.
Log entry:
11 h 29 min
